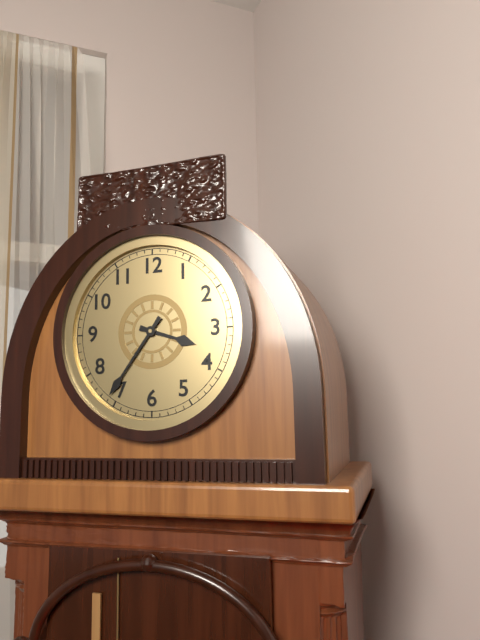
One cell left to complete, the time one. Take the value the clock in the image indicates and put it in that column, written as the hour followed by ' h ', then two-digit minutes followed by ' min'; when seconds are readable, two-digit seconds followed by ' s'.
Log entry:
3 h 36 min
